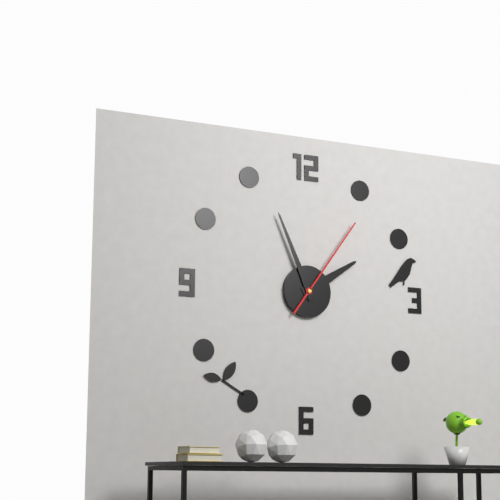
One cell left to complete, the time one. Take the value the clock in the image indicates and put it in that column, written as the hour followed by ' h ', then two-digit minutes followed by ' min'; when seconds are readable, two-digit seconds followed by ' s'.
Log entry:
1 h 56 min 06 s
